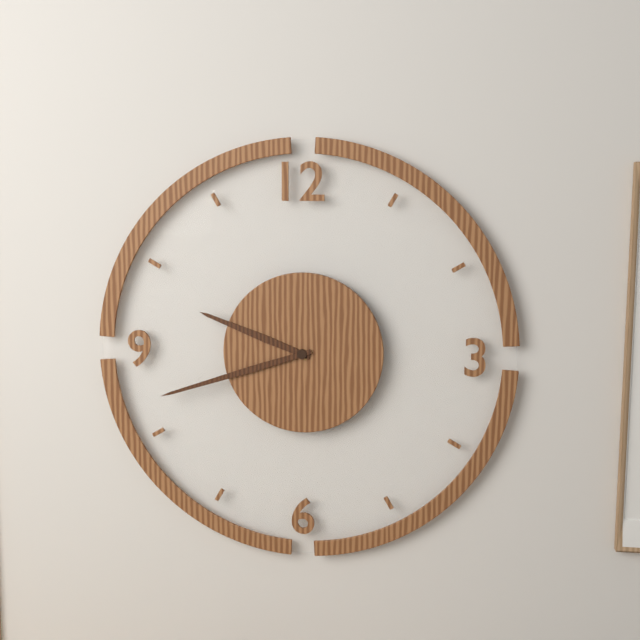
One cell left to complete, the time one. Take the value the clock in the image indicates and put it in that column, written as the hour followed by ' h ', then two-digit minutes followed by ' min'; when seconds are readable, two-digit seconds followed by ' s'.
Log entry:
9 h 42 min
